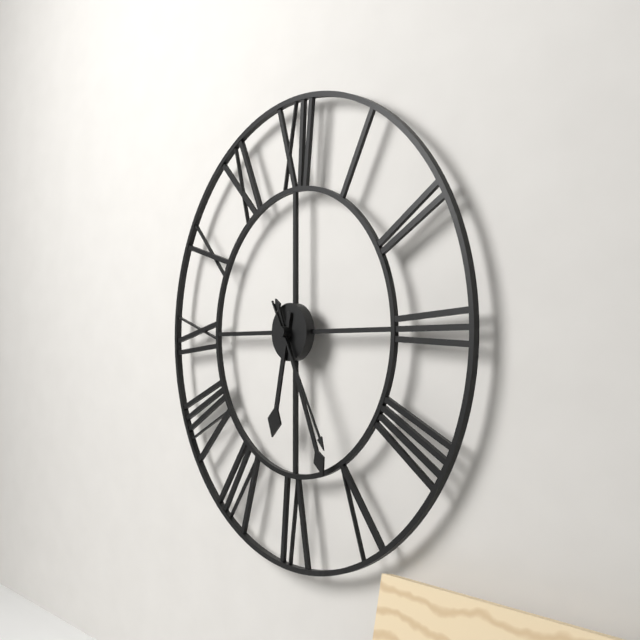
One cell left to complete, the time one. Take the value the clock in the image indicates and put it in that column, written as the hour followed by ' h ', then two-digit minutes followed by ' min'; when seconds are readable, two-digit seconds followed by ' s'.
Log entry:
6 h 26 min 25 s
